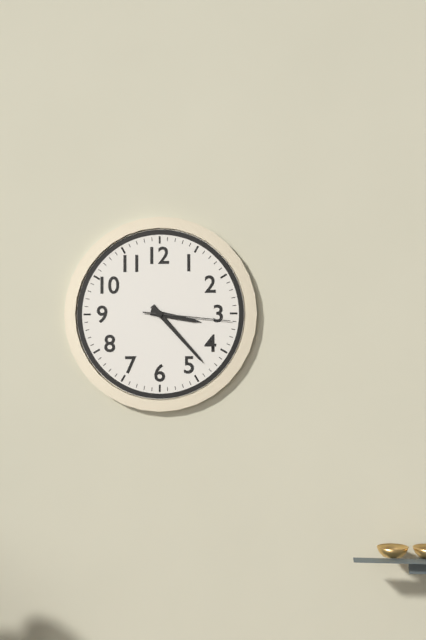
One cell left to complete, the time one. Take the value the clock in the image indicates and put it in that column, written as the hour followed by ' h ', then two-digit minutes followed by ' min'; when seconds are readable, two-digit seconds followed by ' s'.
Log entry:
3 h 23 min 16 s
